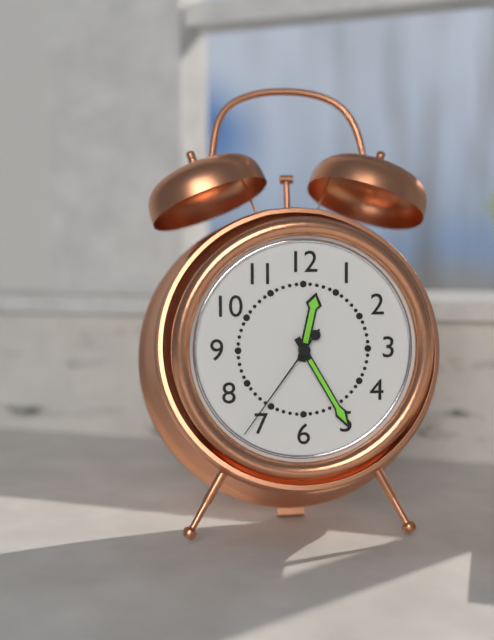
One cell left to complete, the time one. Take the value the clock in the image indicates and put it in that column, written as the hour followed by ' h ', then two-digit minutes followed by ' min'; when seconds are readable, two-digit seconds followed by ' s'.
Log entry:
12 h 25 min 36 s
